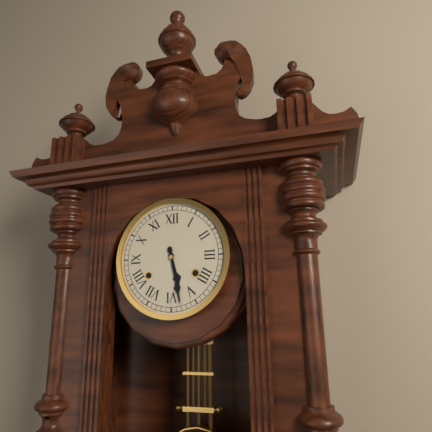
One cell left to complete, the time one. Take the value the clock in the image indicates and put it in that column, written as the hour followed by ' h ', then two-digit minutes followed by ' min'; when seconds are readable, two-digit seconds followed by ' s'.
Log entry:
5 h 28 min
